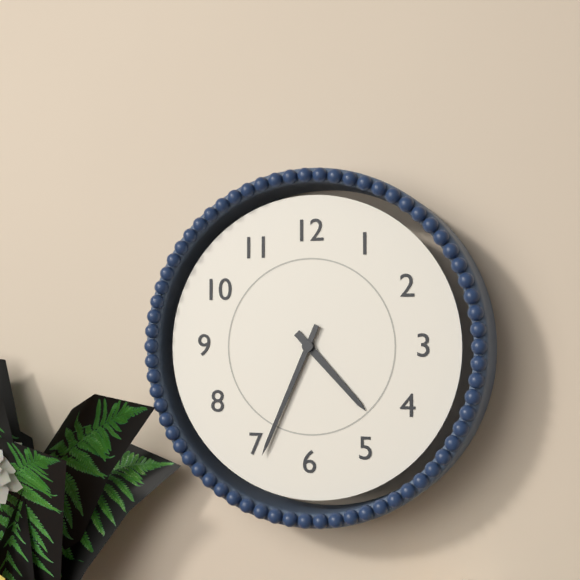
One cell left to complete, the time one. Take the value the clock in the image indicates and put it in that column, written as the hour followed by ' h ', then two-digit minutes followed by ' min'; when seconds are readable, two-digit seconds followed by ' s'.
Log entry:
4 h 34 min
